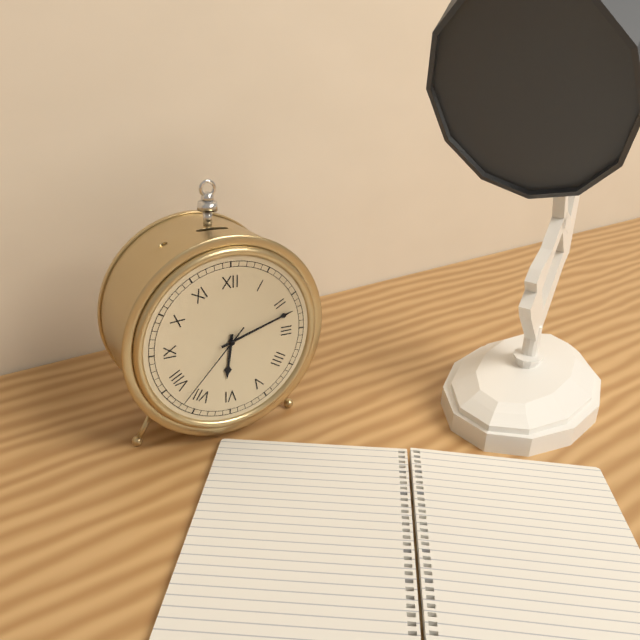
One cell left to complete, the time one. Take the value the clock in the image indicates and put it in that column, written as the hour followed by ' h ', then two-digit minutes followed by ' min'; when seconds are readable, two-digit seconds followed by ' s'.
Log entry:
6 h 12 min 37 s
